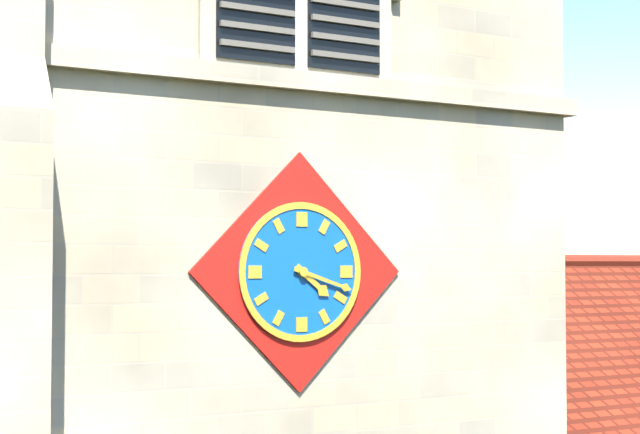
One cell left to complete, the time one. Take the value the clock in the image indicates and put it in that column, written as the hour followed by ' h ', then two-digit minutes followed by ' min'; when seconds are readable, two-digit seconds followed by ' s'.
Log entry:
4 h 18 min
